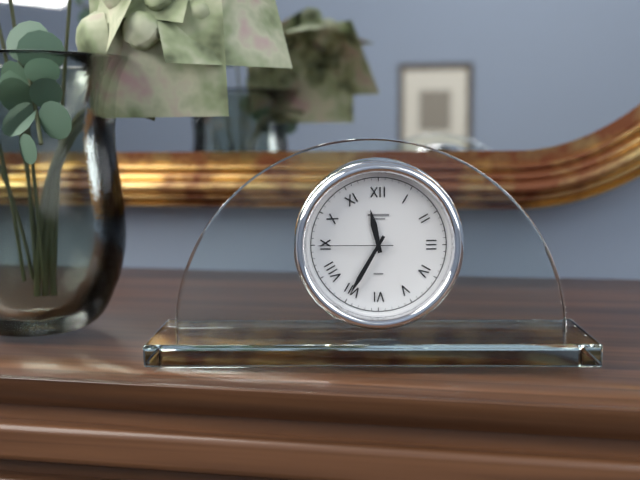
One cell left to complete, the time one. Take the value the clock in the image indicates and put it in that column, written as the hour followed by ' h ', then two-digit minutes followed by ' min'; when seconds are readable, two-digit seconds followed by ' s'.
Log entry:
11 h 35 min 45 s
